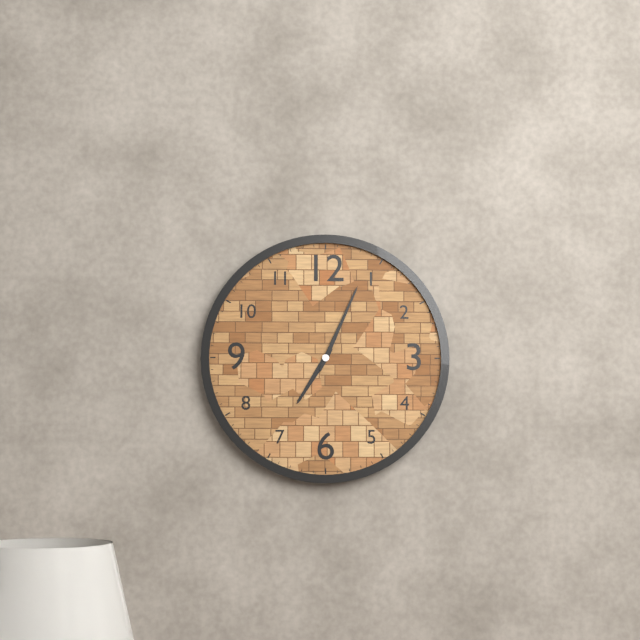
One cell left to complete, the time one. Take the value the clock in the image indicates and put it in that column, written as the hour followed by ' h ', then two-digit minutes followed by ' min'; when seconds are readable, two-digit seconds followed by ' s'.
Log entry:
7 h 04 min
